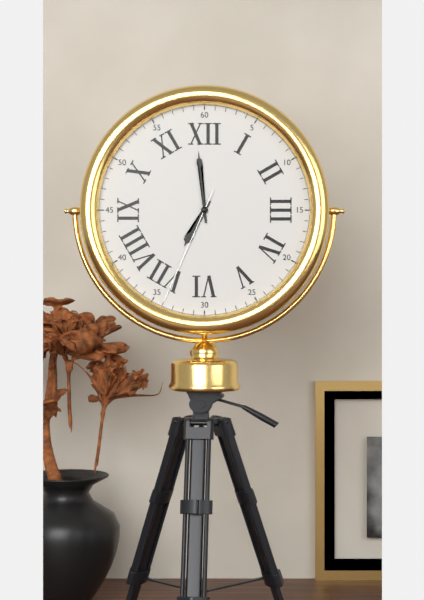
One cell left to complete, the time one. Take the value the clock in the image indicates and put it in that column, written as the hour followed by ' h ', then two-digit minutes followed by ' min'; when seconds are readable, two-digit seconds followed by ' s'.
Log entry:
6 h 59 min 34 s
